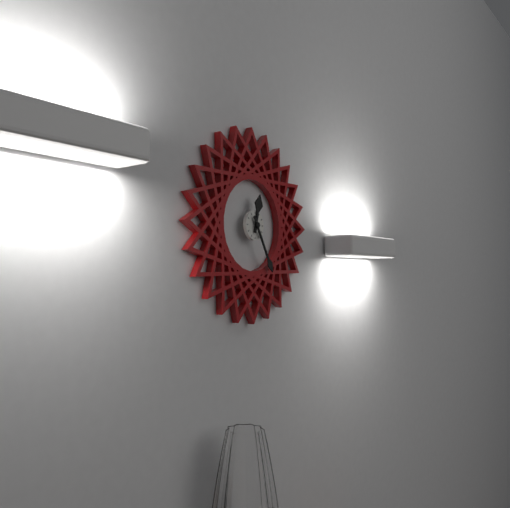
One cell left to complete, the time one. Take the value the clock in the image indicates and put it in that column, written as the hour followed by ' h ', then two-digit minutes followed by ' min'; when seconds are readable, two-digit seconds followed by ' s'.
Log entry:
12 h 25 min
